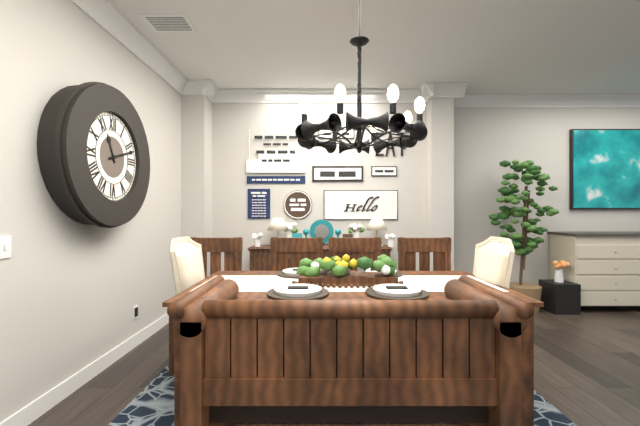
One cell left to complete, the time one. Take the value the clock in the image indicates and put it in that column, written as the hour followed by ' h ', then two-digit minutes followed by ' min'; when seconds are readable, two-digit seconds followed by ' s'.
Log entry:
11 h 12 min
